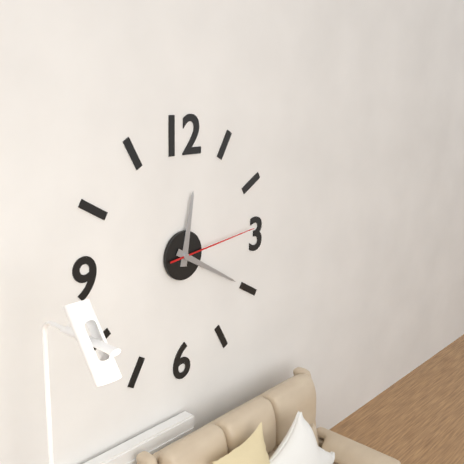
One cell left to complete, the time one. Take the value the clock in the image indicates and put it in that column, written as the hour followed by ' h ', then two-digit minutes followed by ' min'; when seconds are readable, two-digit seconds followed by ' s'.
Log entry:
12 h 20 min 14 s
